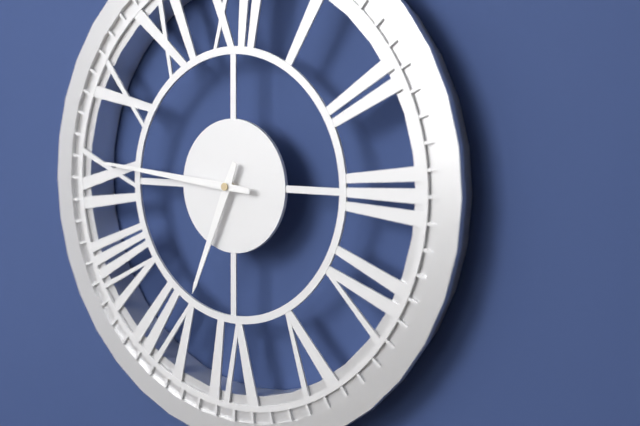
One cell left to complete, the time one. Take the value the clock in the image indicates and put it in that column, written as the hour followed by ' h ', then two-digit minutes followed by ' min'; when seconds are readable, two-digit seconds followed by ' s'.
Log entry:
6 h 46 min
